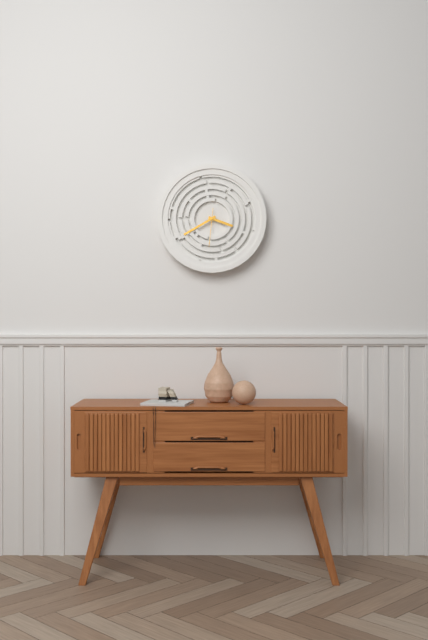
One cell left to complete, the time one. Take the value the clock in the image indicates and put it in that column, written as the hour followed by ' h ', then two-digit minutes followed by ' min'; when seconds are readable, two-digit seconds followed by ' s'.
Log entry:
3 h 40 min
